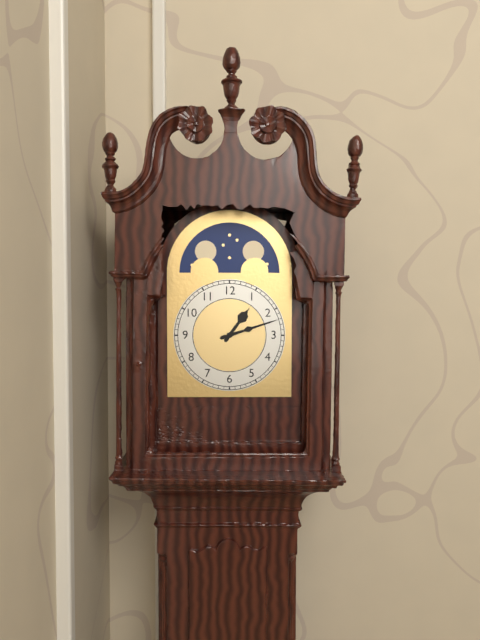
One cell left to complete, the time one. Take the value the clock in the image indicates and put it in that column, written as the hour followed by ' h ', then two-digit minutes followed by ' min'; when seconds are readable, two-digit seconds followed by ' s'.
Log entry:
1 h 12 min
